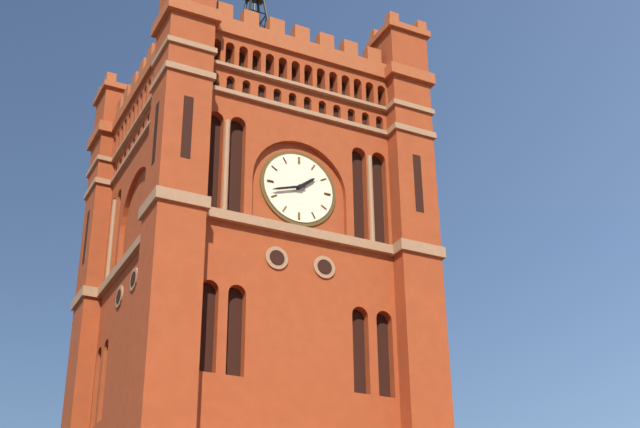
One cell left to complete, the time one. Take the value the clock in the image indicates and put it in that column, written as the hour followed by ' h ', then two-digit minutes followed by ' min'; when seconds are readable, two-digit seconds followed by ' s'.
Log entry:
1 h 42 min
